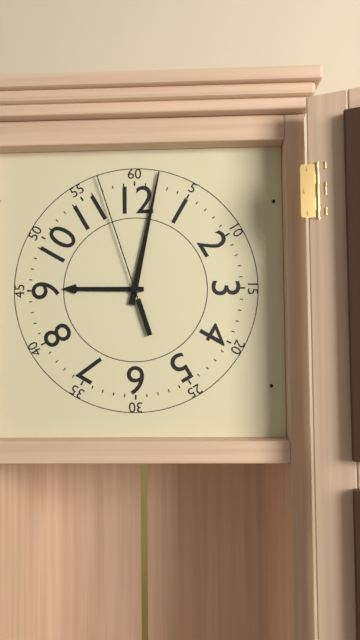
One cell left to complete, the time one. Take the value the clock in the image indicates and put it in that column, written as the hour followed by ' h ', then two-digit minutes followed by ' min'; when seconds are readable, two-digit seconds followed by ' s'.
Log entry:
9 h 02 min 57 s
